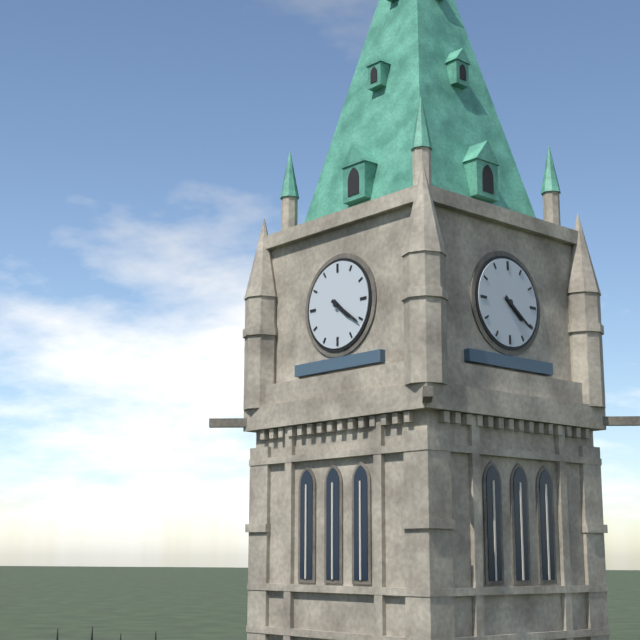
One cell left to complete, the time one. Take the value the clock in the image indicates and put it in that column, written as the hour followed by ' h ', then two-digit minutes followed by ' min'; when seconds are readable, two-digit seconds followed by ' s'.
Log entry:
4 h 21 min
